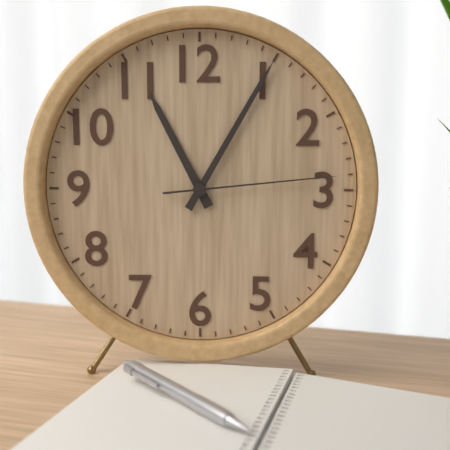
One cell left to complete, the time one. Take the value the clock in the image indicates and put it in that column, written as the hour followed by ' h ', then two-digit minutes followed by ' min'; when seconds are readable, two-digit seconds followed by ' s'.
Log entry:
11 h 05 min 14 s
